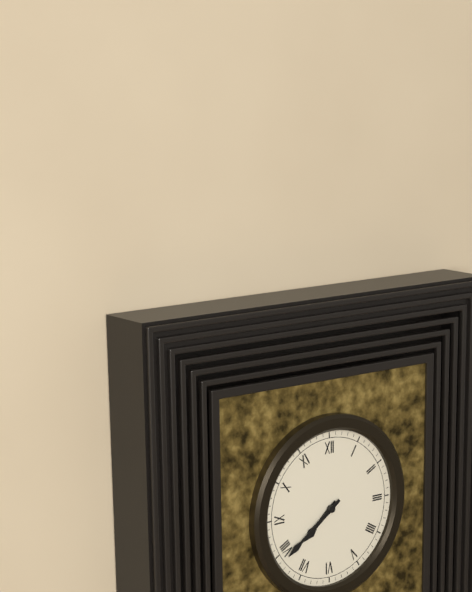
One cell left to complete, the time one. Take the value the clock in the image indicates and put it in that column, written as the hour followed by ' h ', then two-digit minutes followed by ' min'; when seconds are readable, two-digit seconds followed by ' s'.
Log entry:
7 h 39 min
